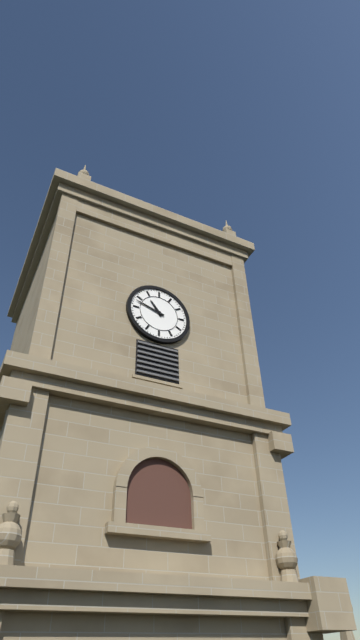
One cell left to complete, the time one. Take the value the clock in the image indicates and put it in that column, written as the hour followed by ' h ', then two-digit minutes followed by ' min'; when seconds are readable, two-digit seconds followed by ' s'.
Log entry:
10 h 48 min
